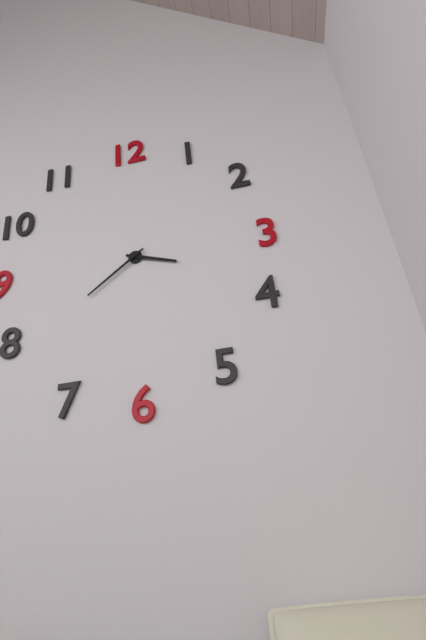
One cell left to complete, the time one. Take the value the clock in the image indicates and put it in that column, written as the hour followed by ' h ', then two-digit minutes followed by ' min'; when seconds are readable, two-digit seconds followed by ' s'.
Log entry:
3 h 39 min
